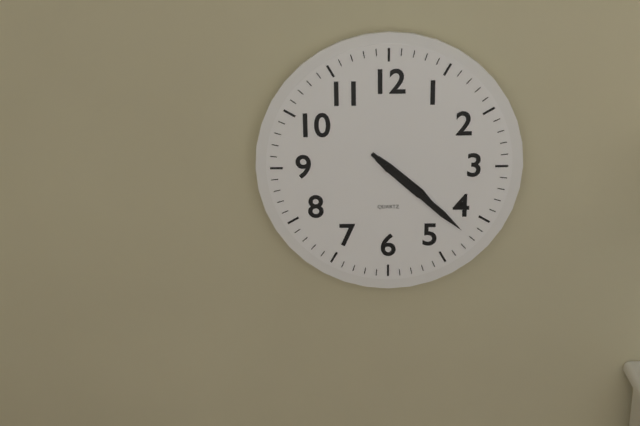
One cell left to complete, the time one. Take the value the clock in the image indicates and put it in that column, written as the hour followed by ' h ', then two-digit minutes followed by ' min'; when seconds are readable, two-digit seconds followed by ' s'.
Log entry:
4 h 22 min
